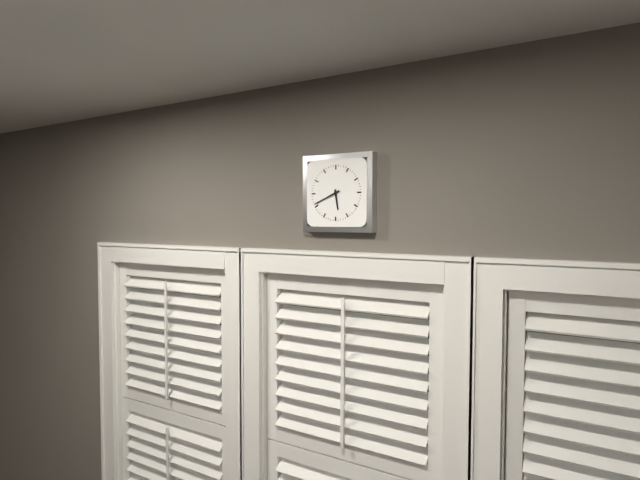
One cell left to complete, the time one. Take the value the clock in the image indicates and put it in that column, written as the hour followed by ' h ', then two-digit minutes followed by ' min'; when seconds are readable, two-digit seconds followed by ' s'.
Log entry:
5 h 41 min
